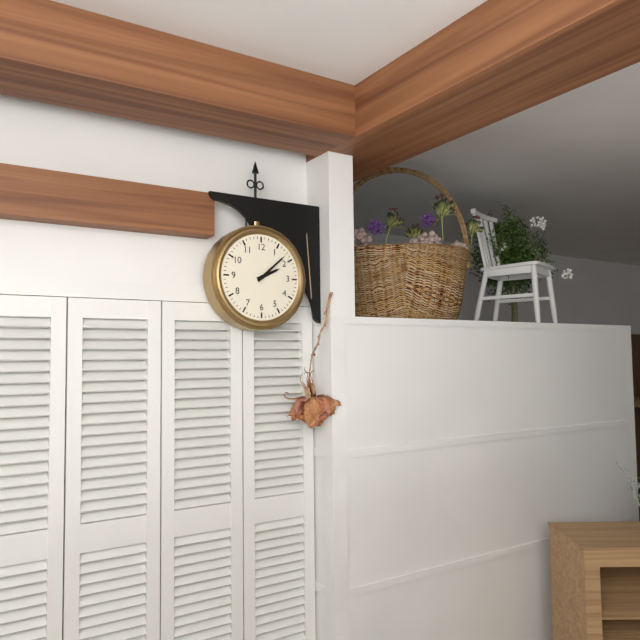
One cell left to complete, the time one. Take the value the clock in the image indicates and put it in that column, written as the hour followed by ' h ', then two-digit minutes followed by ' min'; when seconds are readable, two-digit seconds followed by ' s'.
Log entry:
2 h 08 min
